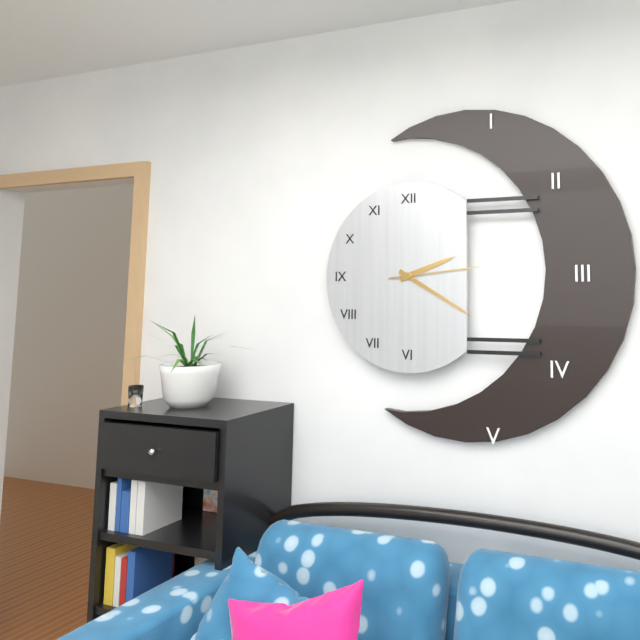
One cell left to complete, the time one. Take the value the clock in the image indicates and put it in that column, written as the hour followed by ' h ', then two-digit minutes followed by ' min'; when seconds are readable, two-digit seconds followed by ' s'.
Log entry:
2 h 20 min 14 s
